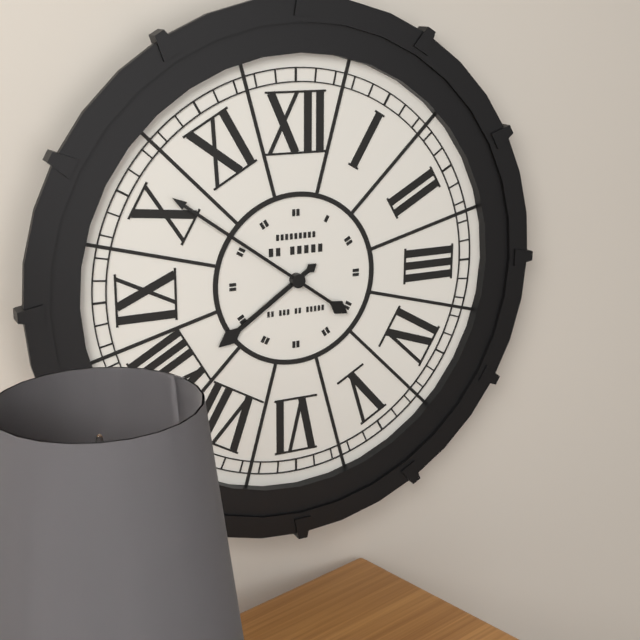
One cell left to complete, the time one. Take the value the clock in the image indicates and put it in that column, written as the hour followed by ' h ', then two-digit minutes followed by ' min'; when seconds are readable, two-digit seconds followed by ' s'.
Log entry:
7 h 51 min
